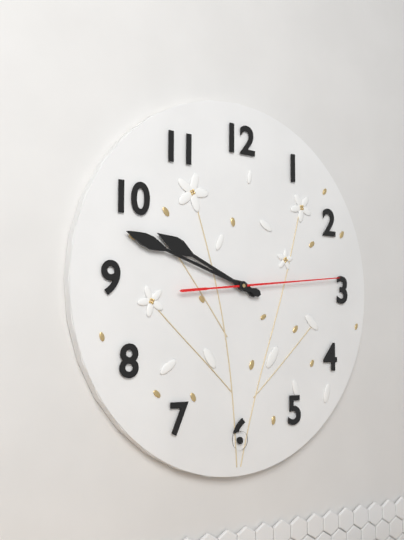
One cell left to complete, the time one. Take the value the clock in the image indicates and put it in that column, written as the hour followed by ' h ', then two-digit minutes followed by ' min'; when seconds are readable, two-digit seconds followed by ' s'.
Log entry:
9 h 48 min 14 s
